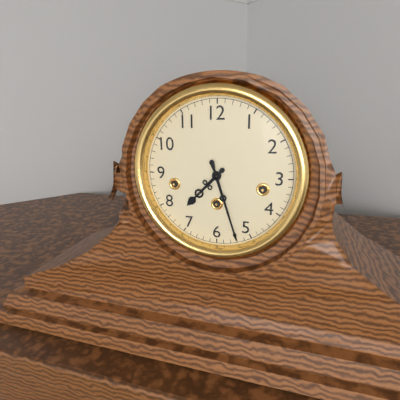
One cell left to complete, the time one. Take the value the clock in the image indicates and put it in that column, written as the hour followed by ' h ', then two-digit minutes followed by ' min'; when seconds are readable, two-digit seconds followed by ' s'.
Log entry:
7 h 27 min
